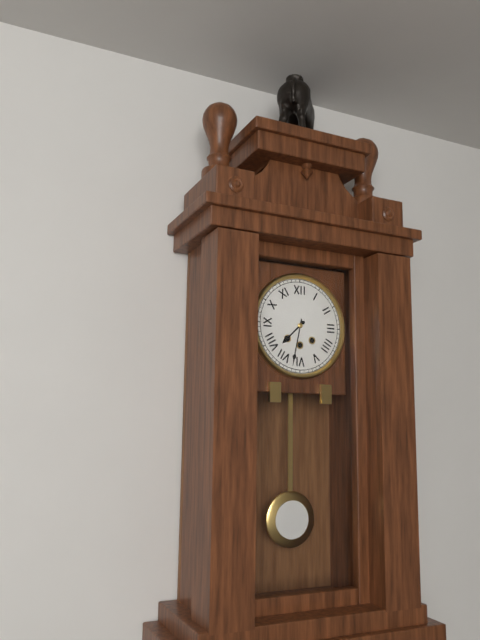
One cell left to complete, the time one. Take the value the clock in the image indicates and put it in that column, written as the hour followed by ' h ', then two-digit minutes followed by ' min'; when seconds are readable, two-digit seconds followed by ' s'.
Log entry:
7 h 32 min
